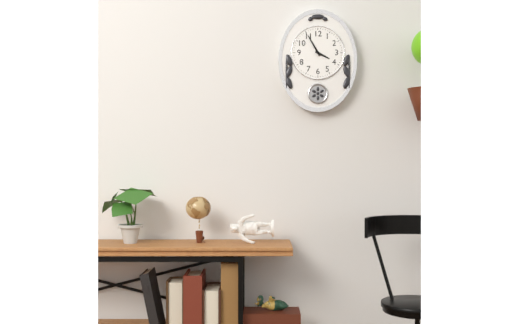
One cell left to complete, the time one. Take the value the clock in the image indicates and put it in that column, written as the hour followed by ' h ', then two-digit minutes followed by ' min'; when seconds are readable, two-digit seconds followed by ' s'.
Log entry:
3 h 55 min
